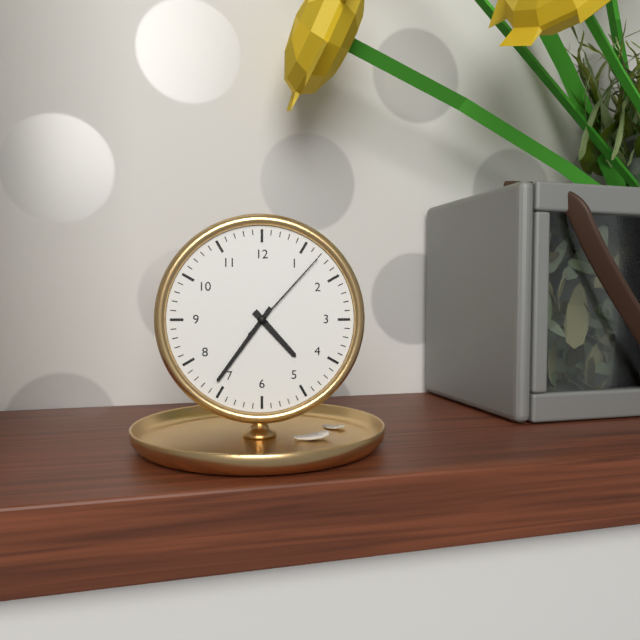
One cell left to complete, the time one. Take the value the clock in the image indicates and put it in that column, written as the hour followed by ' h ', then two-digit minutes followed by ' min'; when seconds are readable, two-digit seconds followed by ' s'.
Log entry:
4 h 36 min 07 s
